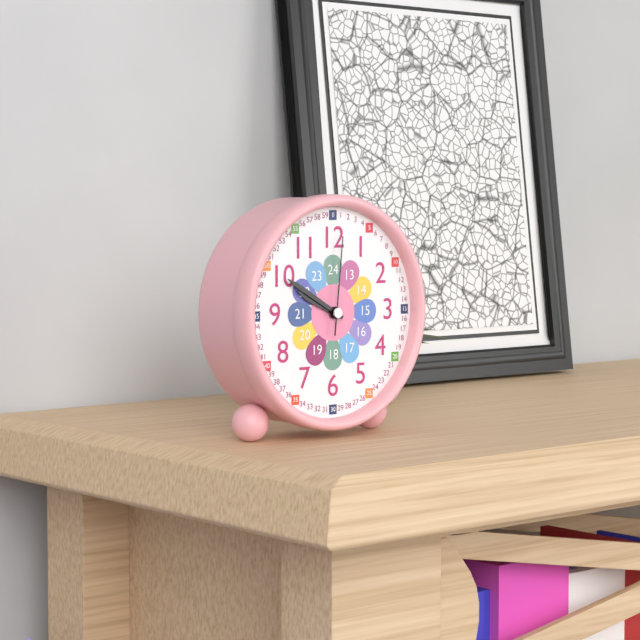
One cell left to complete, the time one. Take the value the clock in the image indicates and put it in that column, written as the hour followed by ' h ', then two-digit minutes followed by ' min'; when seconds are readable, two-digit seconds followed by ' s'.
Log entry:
9 h 50 min 01 s
